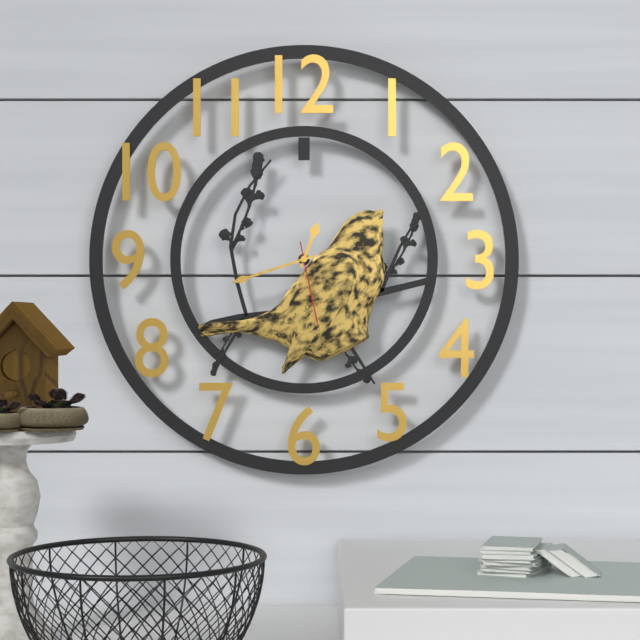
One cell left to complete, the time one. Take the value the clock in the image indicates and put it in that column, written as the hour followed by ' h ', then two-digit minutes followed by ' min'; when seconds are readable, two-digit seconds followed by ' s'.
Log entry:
12 h 42 min 28 s
